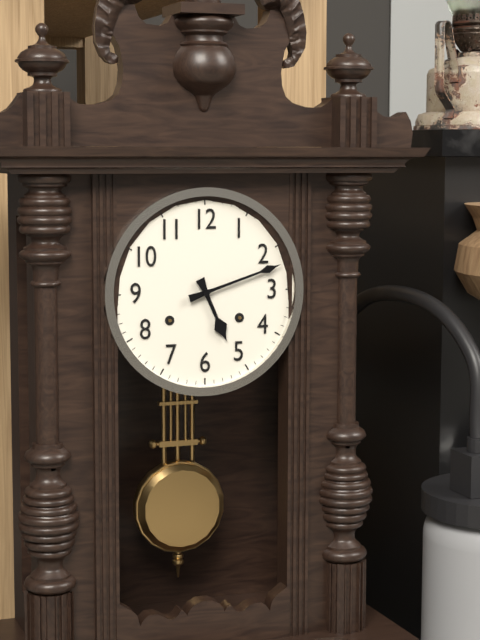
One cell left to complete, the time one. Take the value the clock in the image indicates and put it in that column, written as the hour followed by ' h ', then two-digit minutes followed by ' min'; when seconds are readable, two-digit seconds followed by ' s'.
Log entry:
5 h 12 min
